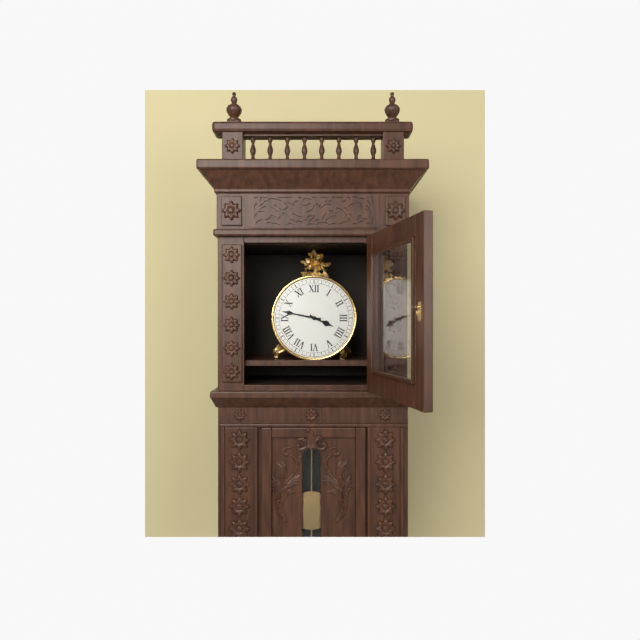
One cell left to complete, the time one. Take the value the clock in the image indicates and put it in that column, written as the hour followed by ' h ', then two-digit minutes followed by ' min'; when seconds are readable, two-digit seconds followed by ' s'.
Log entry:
3 h 47 min
